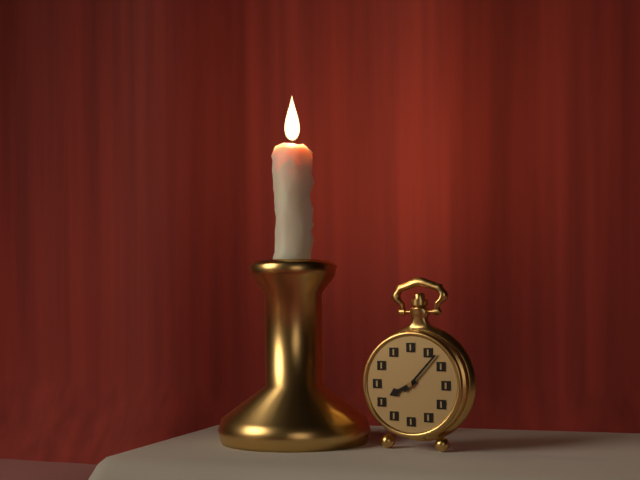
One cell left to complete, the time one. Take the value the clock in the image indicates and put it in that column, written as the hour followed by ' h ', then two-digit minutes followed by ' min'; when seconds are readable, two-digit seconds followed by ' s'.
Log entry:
8 h 07 min
